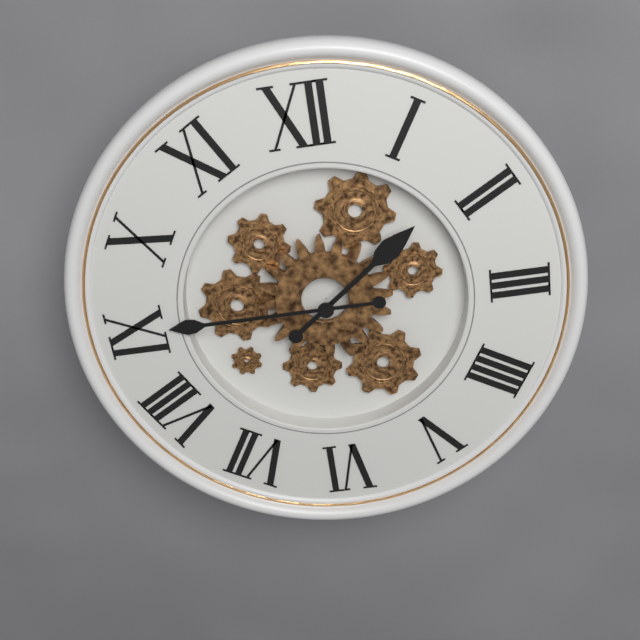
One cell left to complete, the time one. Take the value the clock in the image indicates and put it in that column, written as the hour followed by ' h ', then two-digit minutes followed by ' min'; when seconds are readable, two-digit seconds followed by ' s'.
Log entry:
1 h 45 min
